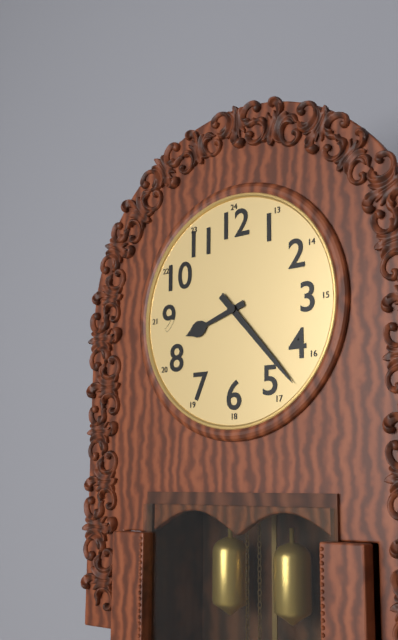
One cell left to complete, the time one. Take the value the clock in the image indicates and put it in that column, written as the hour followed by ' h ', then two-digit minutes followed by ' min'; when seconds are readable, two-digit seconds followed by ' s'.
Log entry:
8 h 23 min
